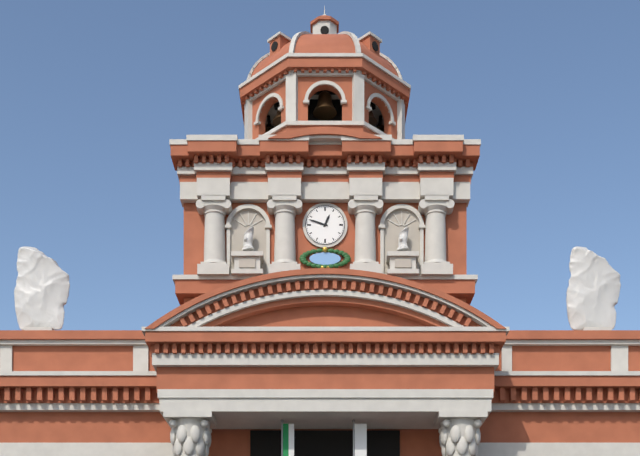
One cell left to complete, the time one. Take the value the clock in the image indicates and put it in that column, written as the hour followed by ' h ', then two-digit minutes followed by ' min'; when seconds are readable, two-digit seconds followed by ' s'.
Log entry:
12 h 48 min
